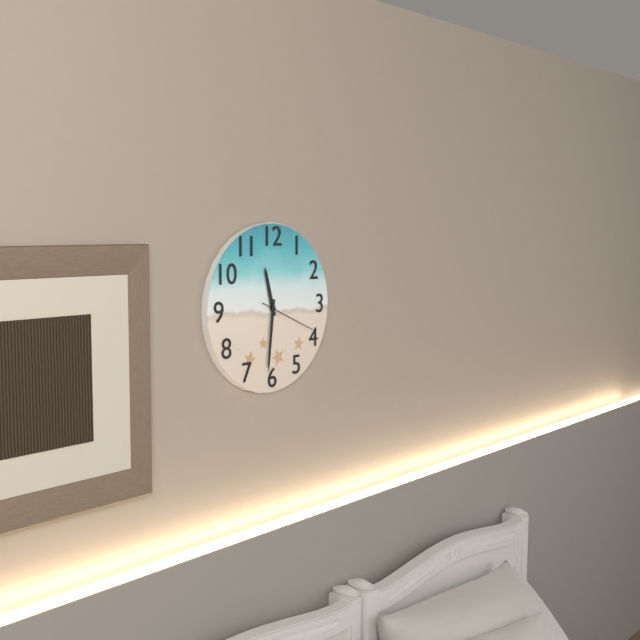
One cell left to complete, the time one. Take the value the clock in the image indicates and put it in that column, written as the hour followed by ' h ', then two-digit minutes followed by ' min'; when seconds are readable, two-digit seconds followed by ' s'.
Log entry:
11 h 31 min 19 s
